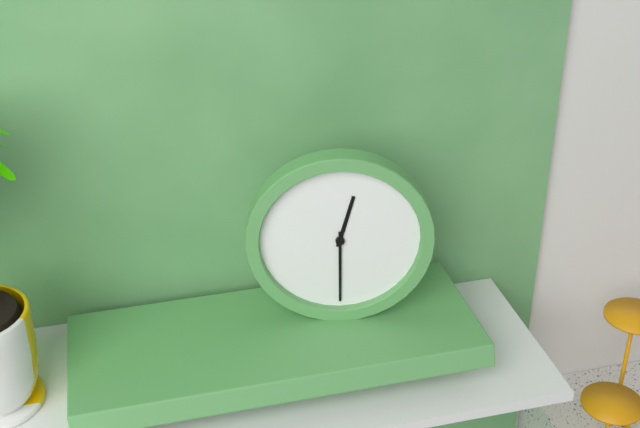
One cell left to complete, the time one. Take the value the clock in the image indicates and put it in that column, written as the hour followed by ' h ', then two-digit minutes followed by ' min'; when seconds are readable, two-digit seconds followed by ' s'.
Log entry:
12 h 30 min
